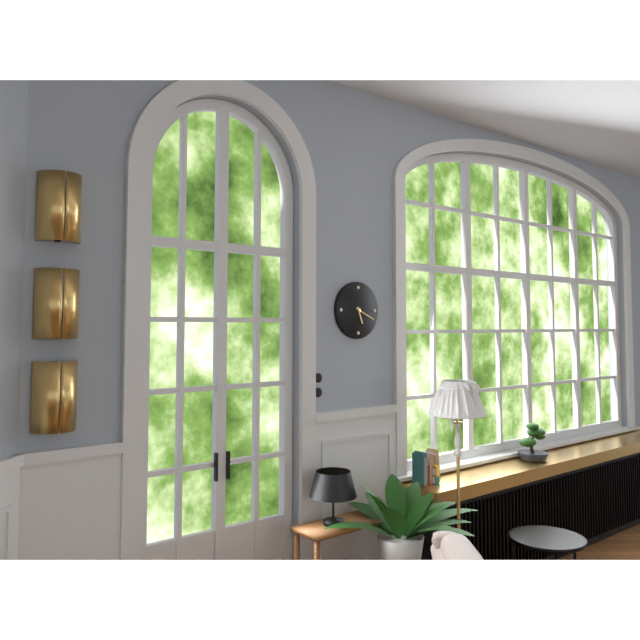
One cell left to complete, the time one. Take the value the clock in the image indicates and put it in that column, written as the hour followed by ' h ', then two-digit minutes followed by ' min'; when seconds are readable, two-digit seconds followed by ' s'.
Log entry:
5 h 19 min
